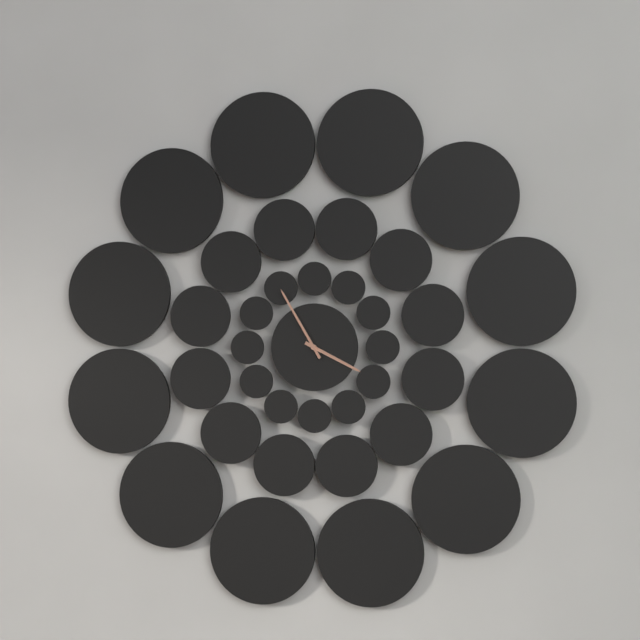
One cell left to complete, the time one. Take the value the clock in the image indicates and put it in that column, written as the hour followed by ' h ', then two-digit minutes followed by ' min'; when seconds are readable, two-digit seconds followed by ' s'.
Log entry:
3 h 55 min
